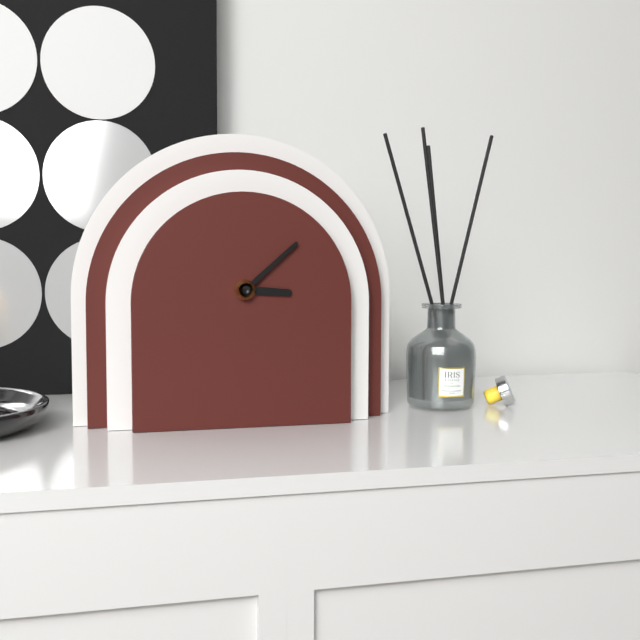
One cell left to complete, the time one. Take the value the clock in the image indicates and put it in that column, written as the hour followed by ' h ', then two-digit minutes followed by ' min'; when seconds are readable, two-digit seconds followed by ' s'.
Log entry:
3 h 08 min
